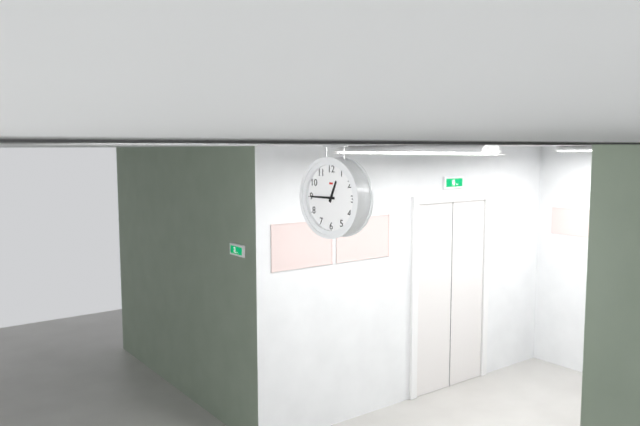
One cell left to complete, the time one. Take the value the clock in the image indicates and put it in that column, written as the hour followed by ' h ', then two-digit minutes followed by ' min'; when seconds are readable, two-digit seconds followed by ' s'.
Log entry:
12 h 45 min
